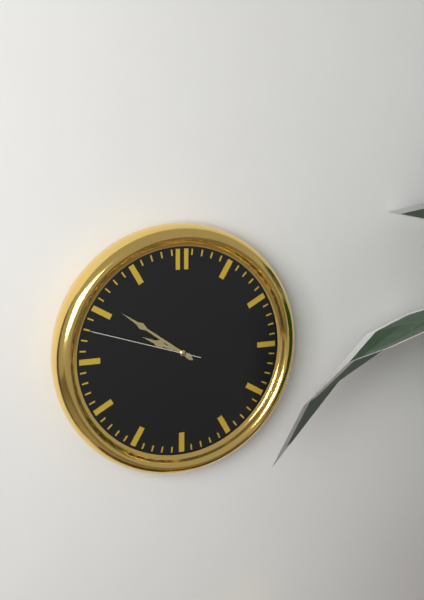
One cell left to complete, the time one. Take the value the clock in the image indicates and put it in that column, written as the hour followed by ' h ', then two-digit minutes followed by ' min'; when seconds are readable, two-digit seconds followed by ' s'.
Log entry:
9 h 51 min 48 s
